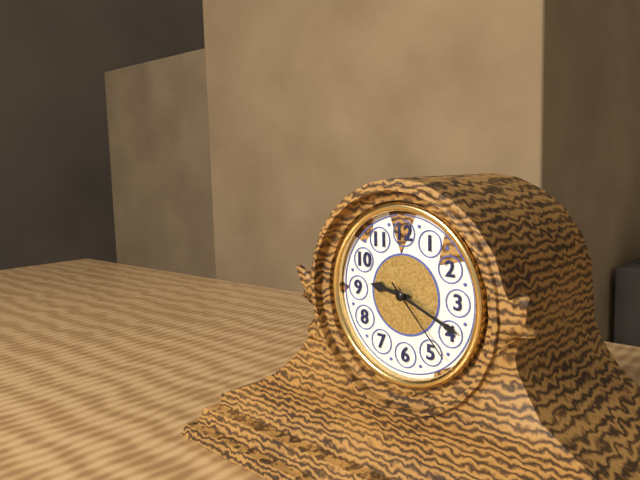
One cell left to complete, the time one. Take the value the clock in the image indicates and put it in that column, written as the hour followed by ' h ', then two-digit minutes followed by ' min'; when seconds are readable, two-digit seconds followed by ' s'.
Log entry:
9 h 19 min 23 s
